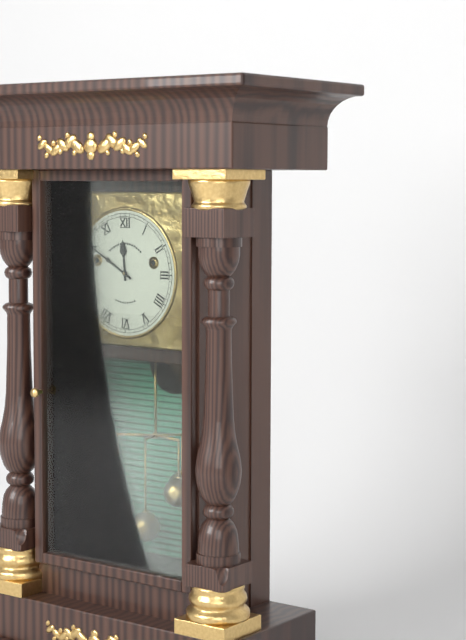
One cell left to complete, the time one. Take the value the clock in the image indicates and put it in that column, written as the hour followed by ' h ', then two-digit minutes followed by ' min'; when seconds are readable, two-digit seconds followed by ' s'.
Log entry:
11 h 50 min
